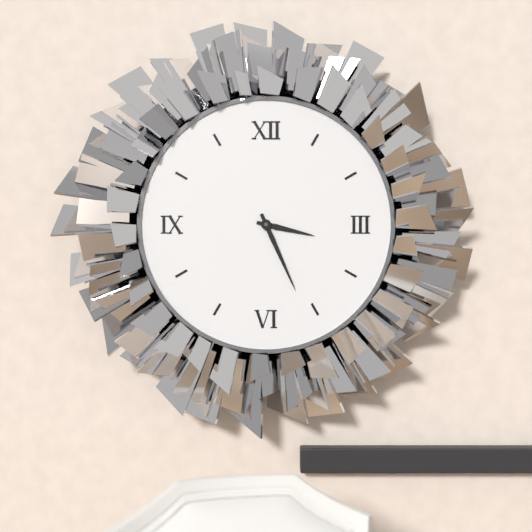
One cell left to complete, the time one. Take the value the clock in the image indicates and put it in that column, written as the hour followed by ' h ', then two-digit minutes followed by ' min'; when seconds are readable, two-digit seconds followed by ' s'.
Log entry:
3 h 26 min
